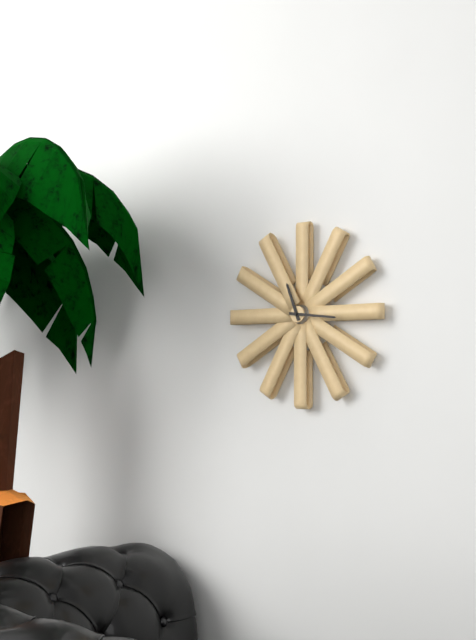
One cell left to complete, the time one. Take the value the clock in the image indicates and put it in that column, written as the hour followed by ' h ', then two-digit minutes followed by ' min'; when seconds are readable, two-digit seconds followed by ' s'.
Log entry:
11 h 16 min
